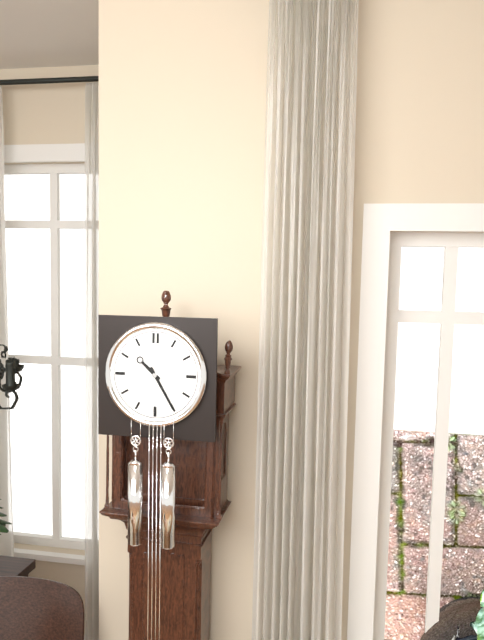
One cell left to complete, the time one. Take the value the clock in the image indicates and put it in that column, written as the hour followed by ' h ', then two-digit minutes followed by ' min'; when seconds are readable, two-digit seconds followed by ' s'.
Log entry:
10 h 25 min
